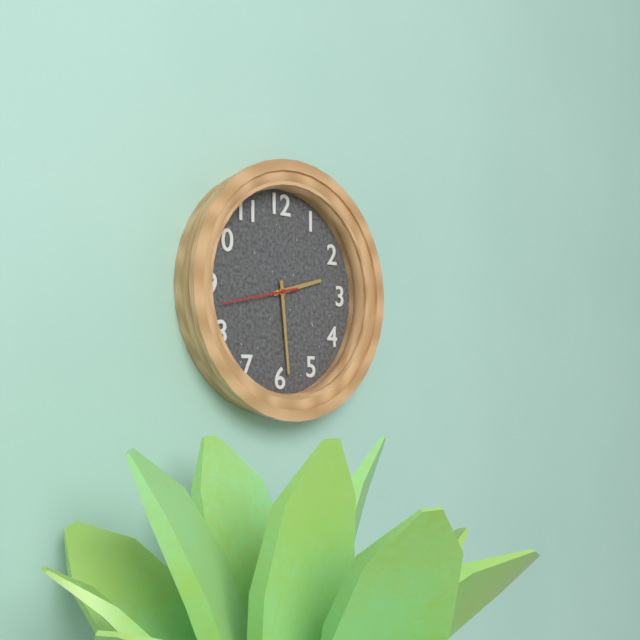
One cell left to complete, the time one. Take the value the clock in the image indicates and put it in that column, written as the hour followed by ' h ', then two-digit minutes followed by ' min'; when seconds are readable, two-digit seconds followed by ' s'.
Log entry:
2 h 29 min 43 s
